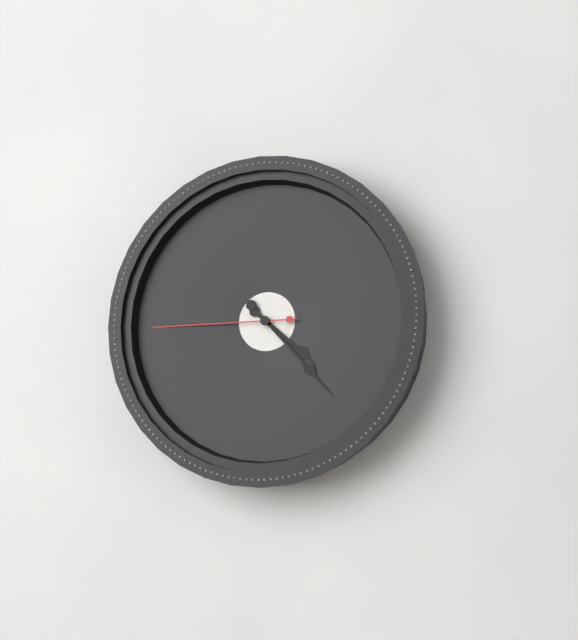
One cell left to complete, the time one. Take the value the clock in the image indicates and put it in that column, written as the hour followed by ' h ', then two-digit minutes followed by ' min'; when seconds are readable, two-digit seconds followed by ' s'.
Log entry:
4 h 23 min 45 s
